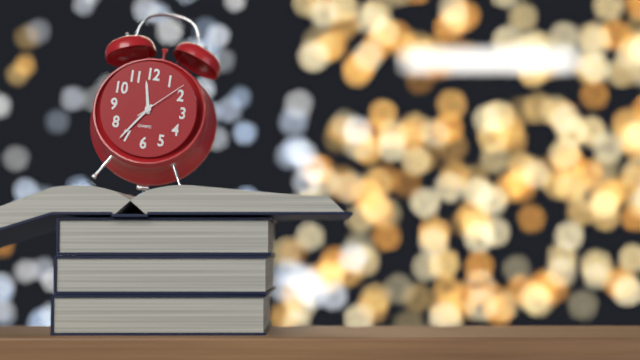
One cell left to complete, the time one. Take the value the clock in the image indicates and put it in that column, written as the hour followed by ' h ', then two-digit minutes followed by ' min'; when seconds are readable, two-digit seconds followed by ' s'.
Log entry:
11 h 36 min 08 s
